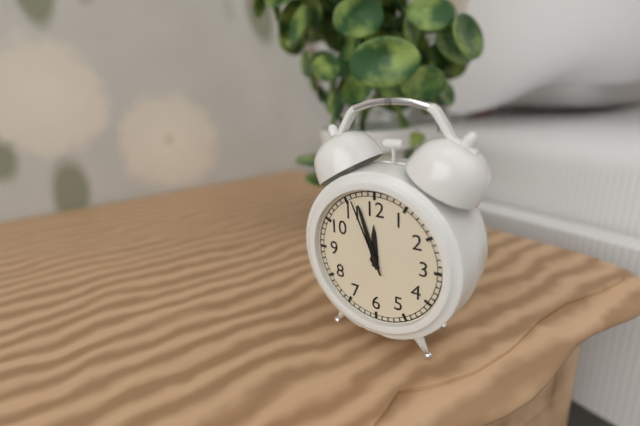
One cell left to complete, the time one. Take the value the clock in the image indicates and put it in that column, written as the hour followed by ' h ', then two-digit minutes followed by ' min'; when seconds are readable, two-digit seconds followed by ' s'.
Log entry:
11 h 57 min 56 s
